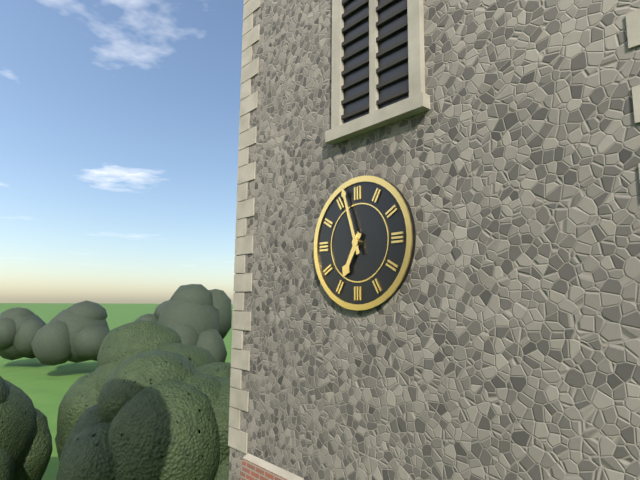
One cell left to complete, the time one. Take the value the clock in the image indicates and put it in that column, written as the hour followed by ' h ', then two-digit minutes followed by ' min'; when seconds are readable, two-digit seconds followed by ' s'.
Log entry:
6 h 57 min
